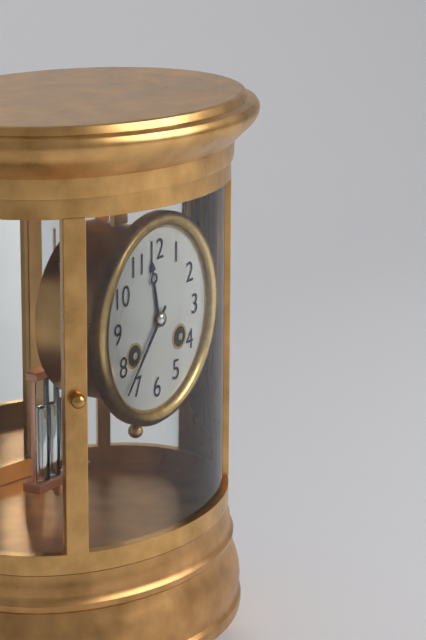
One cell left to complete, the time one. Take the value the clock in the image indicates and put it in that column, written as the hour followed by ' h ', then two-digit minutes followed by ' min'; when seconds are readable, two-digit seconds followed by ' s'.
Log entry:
11 h 37 min
